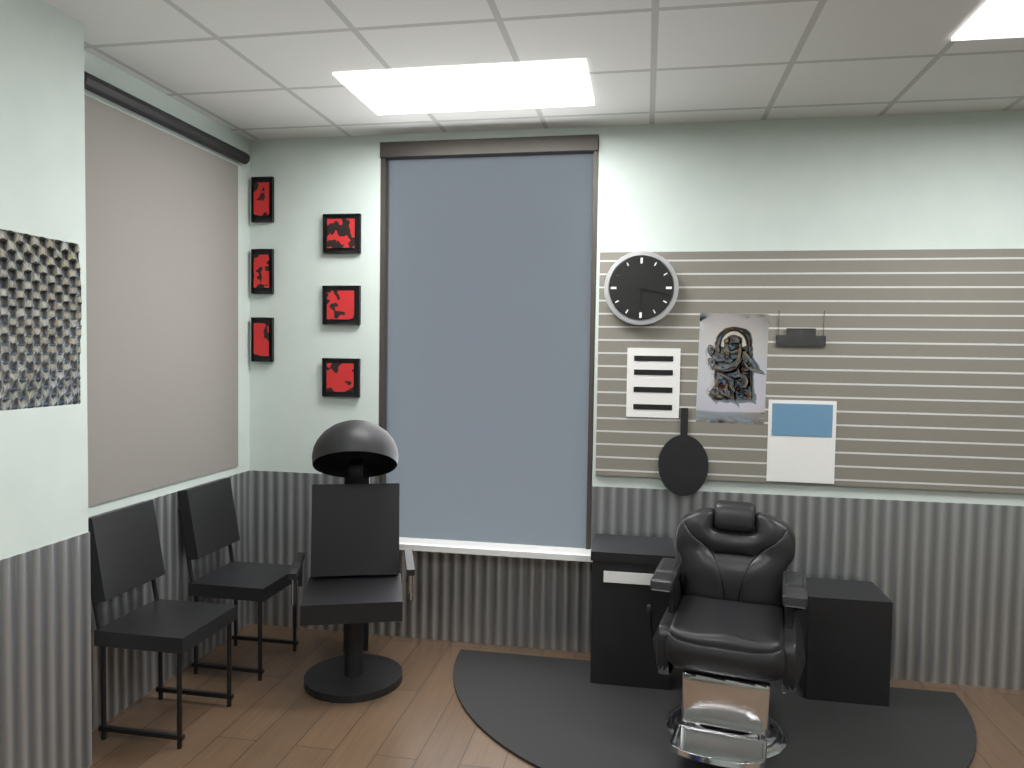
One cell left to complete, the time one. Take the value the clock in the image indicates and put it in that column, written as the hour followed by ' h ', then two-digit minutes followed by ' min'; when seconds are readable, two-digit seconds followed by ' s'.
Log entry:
6 h 17 min
